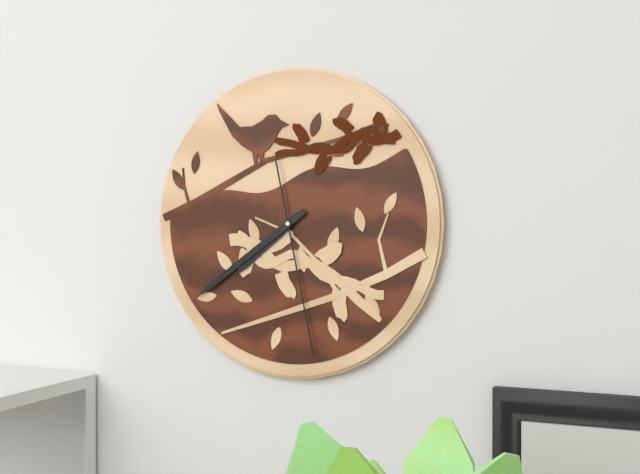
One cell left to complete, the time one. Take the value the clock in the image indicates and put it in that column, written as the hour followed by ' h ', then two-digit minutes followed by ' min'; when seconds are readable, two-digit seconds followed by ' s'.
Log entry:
7 h 39 min 28 s
